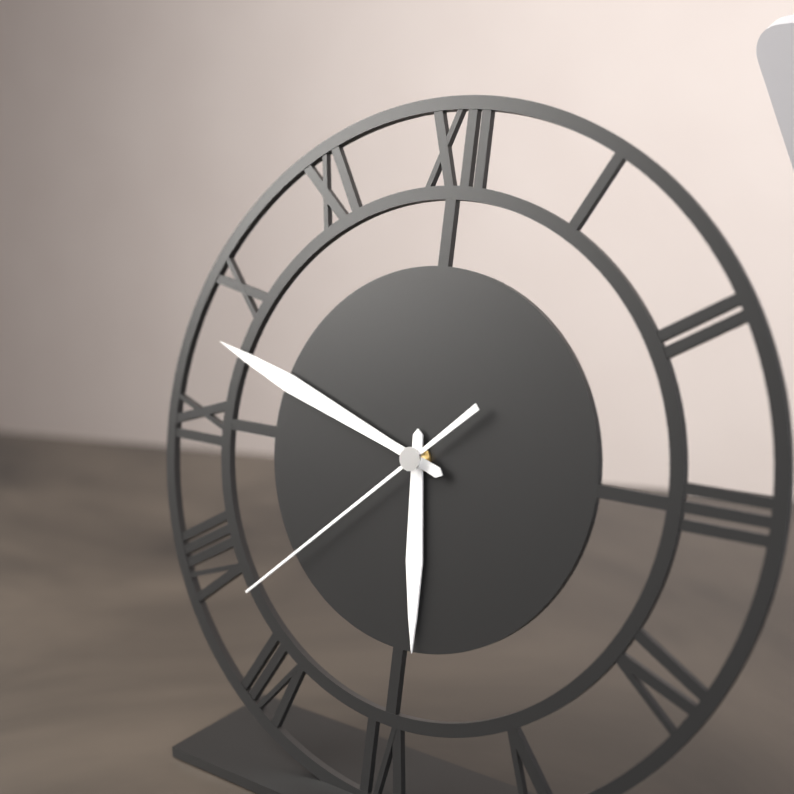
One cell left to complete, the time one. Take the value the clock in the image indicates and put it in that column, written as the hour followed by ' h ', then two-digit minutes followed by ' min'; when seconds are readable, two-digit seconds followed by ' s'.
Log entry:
5 h 48 min 38 s
